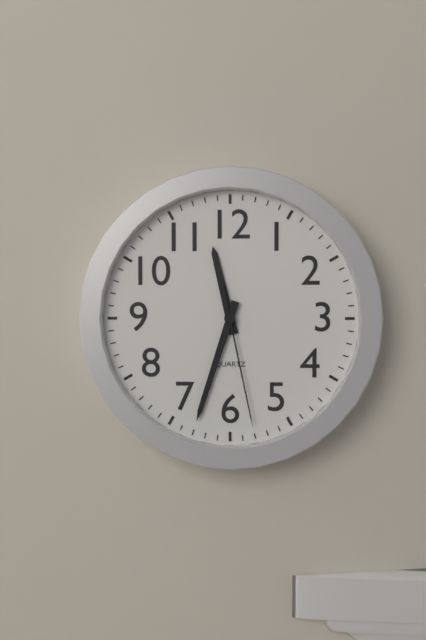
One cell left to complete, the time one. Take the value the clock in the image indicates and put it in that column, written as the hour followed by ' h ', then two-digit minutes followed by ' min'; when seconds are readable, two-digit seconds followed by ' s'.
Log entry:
11 h 33 min 28 s
